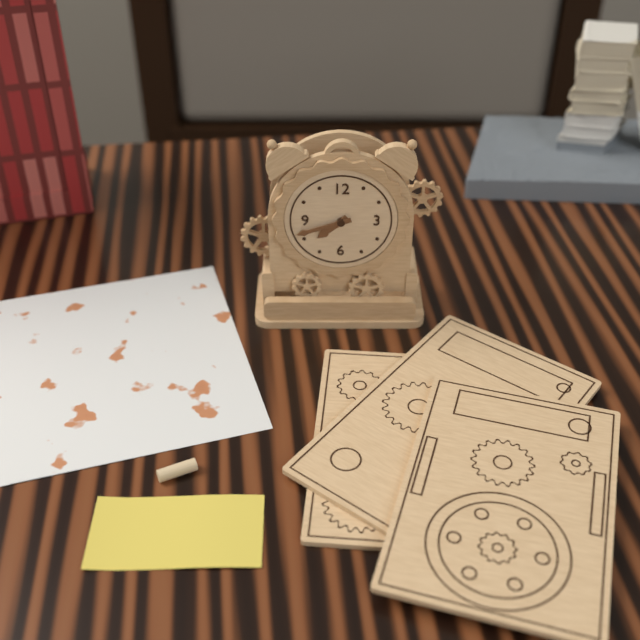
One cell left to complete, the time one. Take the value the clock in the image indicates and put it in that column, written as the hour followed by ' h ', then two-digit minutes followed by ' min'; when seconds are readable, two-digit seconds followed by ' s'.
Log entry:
7 h 42 min
